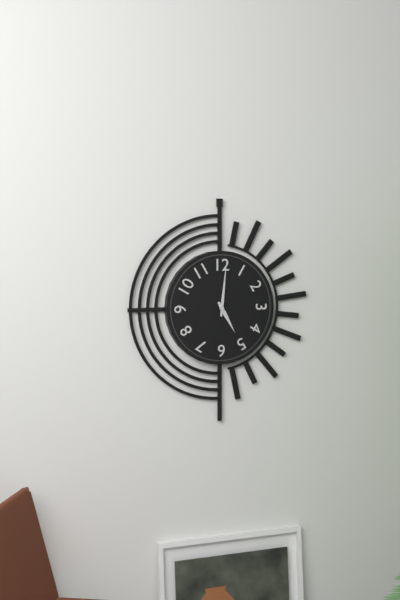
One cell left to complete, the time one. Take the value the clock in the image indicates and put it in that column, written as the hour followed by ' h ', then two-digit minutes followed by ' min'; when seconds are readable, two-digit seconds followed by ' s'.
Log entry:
5 h 01 min
